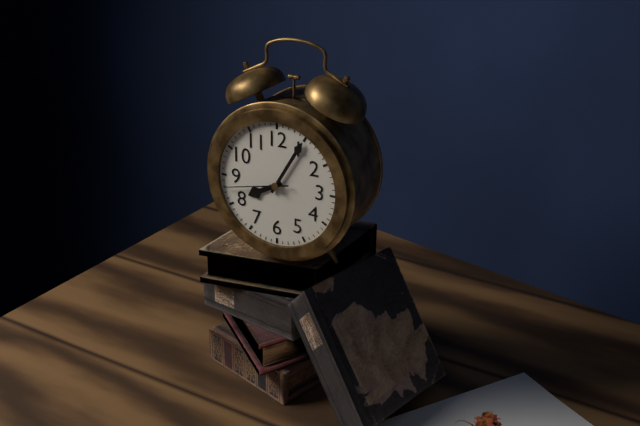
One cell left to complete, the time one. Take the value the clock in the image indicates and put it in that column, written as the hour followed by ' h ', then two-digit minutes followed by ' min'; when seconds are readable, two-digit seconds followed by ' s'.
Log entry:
8 h 05 min 43 s
